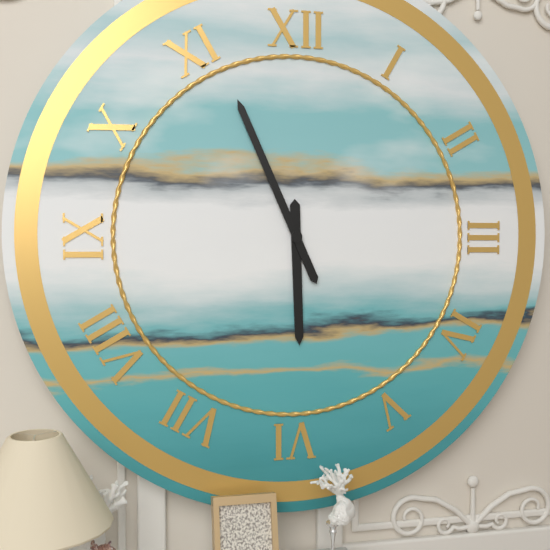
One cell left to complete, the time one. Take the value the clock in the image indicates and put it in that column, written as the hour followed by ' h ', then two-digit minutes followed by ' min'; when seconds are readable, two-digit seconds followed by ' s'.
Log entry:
5 h 56 min
